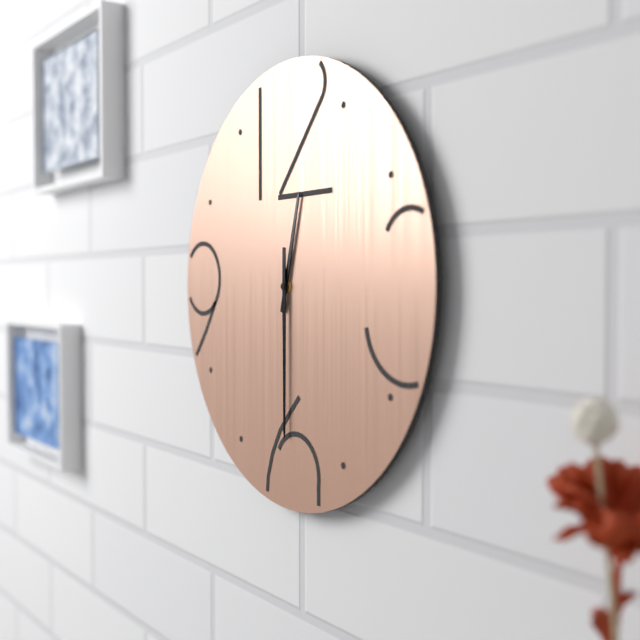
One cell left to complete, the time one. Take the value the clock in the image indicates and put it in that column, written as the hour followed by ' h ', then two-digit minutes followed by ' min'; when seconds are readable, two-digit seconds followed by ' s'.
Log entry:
12 h 30 min
